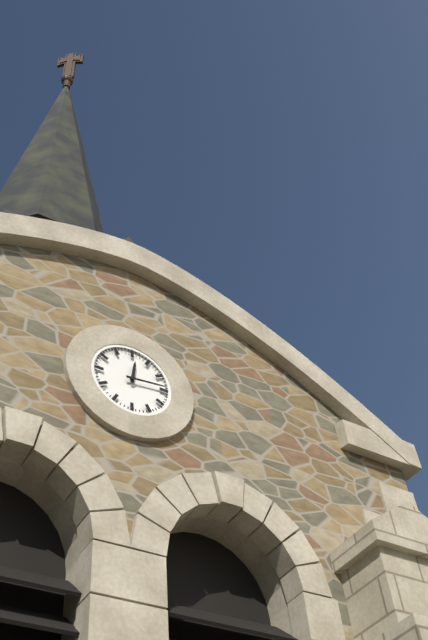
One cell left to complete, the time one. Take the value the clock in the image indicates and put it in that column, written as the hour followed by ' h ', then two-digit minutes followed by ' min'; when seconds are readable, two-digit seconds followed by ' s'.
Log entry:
12 h 14 min
